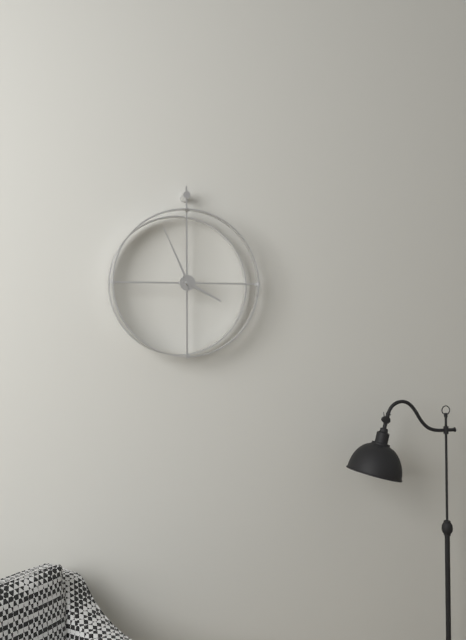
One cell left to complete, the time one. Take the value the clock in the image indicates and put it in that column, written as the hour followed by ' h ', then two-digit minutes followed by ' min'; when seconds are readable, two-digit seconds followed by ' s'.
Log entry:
3 h 56 min
